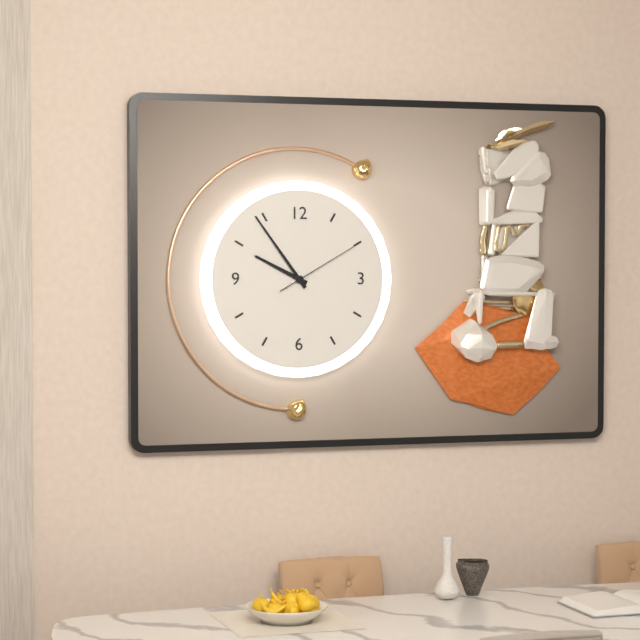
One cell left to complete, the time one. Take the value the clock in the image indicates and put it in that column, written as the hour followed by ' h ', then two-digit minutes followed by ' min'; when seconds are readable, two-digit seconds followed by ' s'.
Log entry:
9 h 54 min 10 s
